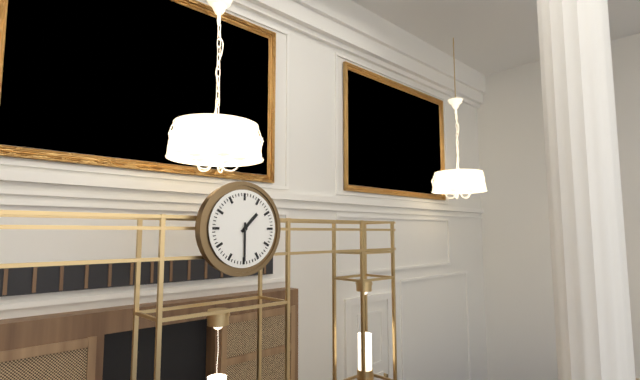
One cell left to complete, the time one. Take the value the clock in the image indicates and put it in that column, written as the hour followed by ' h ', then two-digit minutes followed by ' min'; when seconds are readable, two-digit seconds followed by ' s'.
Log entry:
1 h 30 min
